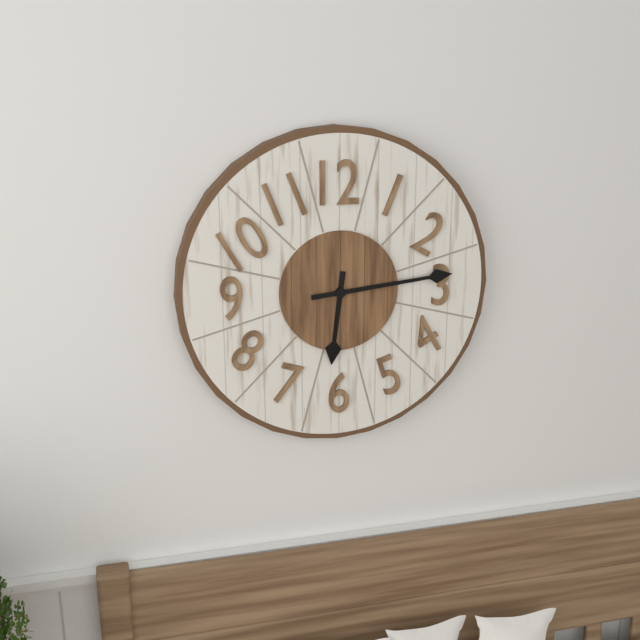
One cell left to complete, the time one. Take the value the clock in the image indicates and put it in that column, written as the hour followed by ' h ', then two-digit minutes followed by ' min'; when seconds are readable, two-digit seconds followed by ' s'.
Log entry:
6 h 14 min
